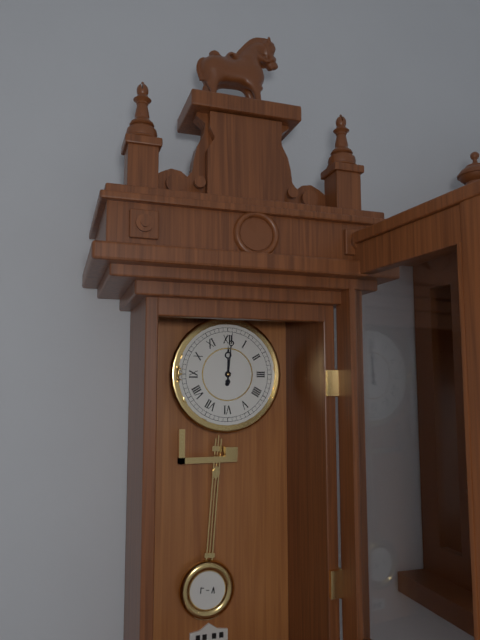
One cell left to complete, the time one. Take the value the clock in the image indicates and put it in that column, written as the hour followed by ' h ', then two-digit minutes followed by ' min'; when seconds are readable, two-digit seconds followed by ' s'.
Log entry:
12 h 01 min
